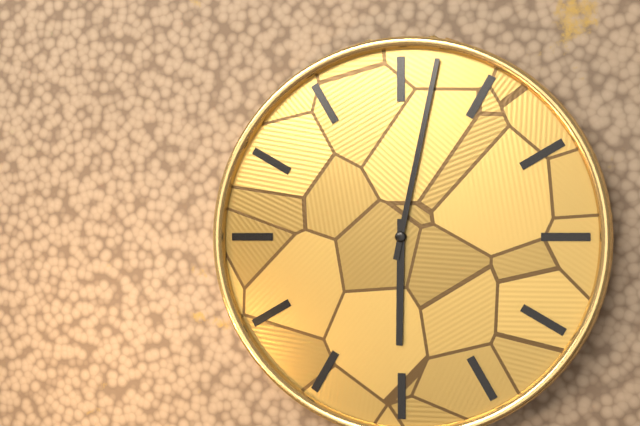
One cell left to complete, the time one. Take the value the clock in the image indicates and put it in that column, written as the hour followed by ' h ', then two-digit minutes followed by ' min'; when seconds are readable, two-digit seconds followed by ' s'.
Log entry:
6 h 02 min
